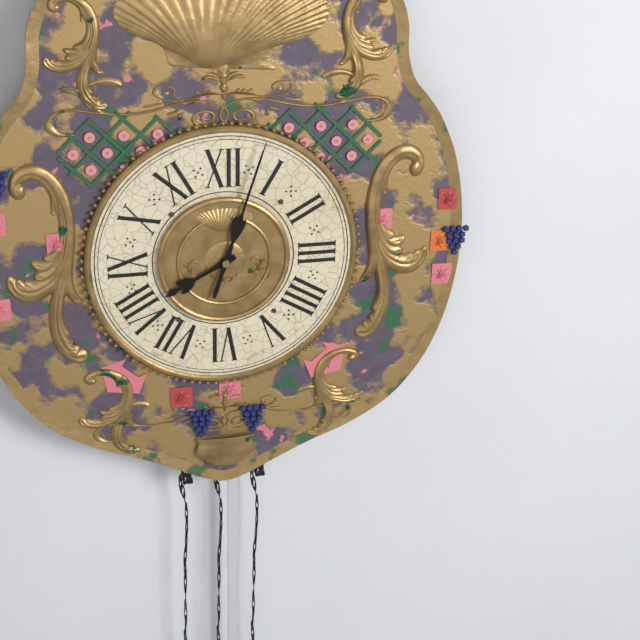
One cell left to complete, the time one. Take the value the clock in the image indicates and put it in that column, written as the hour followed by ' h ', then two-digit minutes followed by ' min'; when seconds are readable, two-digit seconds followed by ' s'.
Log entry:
8 h 03 min
